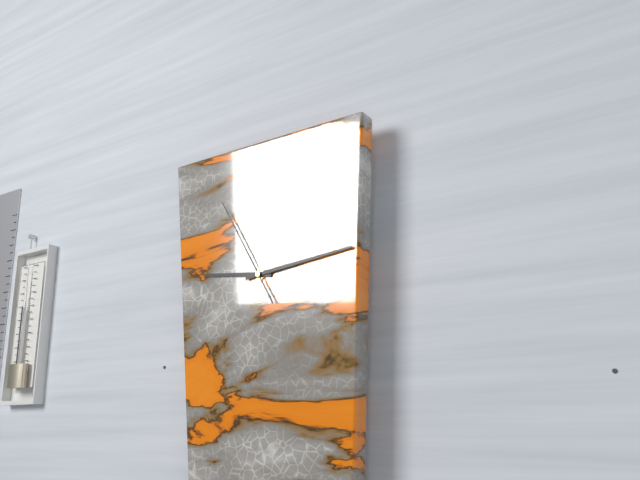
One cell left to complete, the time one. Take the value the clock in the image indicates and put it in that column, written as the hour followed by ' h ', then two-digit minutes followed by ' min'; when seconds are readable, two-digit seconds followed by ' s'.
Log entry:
9 h 14 min 55 s
